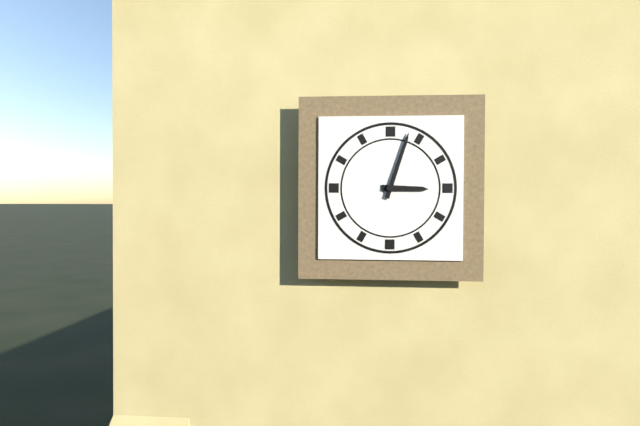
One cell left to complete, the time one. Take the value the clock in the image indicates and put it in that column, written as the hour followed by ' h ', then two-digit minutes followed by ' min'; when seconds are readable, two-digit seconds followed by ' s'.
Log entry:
3 h 03 min
